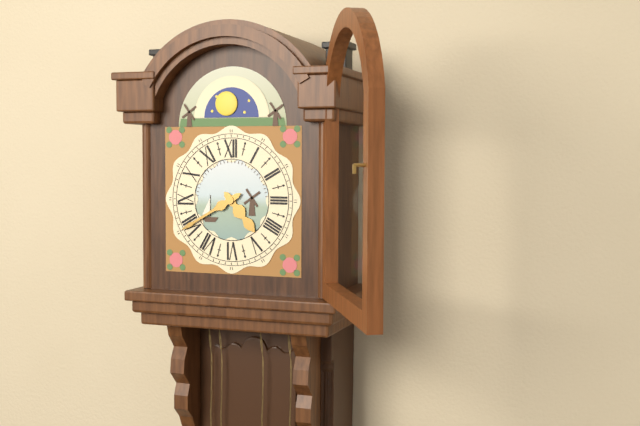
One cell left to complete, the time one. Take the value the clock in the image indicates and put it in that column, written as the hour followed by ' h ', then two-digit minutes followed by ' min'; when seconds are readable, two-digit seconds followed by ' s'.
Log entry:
4 h 40 min
